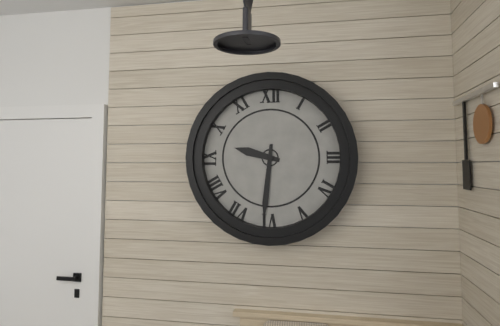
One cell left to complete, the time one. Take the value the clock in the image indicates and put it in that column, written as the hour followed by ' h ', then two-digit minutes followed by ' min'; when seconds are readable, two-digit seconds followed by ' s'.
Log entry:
9 h 31 min
